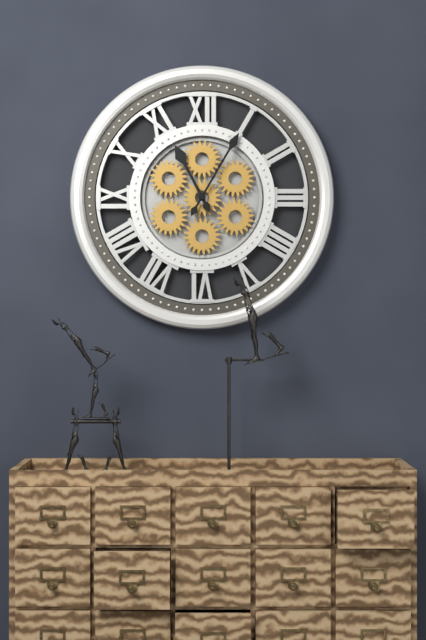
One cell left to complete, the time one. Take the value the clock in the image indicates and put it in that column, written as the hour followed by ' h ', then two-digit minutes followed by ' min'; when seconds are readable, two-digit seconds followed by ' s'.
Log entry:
11 h 05 min
